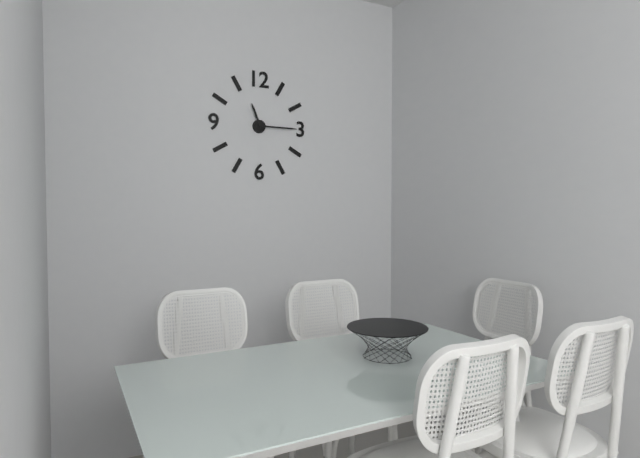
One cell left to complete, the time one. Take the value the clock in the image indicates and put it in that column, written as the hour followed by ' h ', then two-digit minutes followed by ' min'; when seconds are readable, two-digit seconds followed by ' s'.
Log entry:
11 h 15 min
